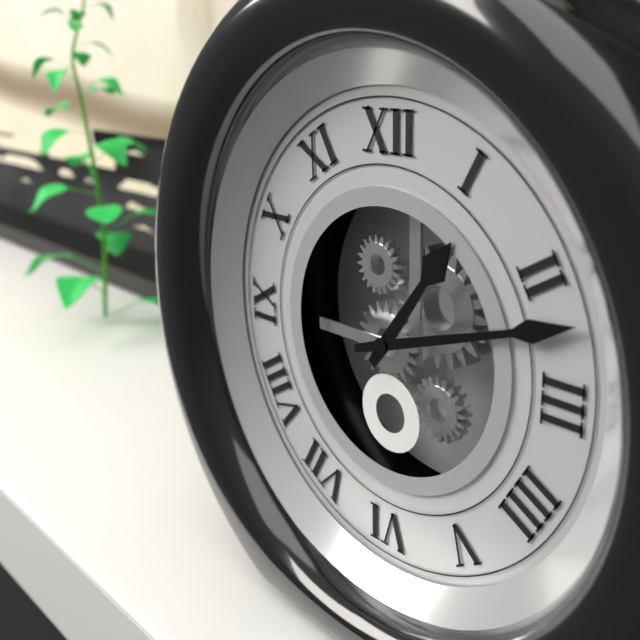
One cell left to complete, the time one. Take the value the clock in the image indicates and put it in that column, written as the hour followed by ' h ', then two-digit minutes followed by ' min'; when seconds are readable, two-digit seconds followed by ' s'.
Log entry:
1 h 12 min
